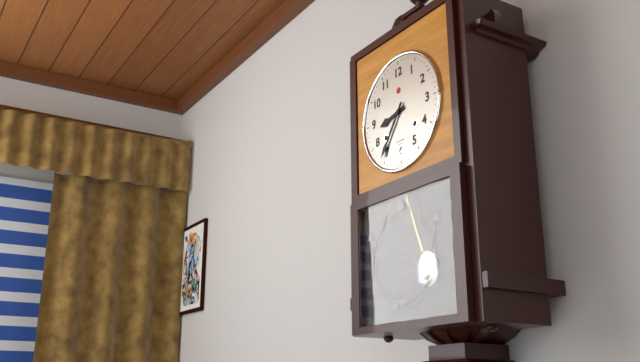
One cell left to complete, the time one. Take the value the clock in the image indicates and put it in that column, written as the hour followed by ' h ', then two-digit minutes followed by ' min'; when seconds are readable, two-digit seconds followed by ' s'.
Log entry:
8 h 36 min
